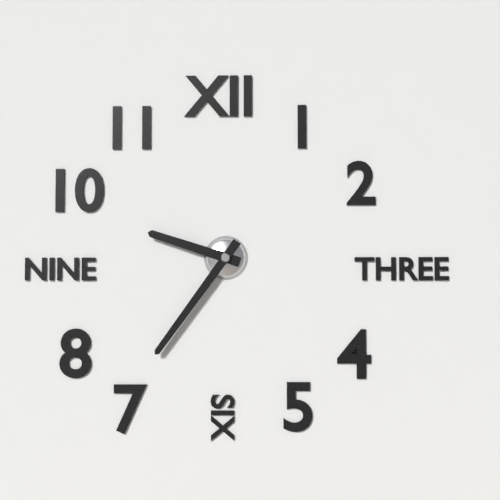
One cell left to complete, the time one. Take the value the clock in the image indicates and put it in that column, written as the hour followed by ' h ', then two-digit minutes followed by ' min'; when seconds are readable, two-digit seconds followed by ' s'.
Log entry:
9 h 36 min
